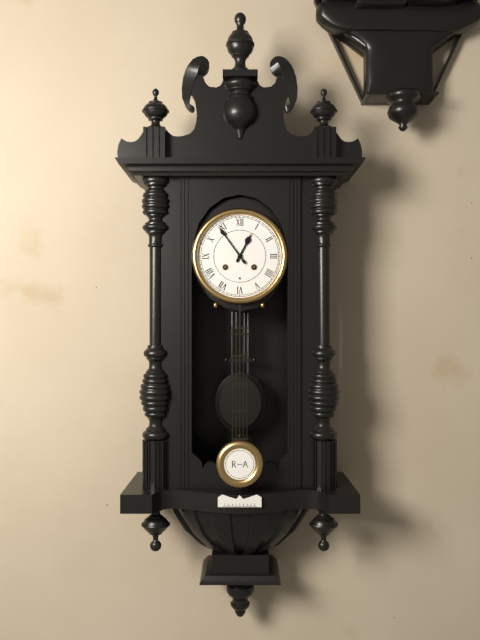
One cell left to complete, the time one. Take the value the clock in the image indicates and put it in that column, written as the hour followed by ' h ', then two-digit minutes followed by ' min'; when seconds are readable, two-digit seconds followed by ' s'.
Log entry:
12 h 54 min
